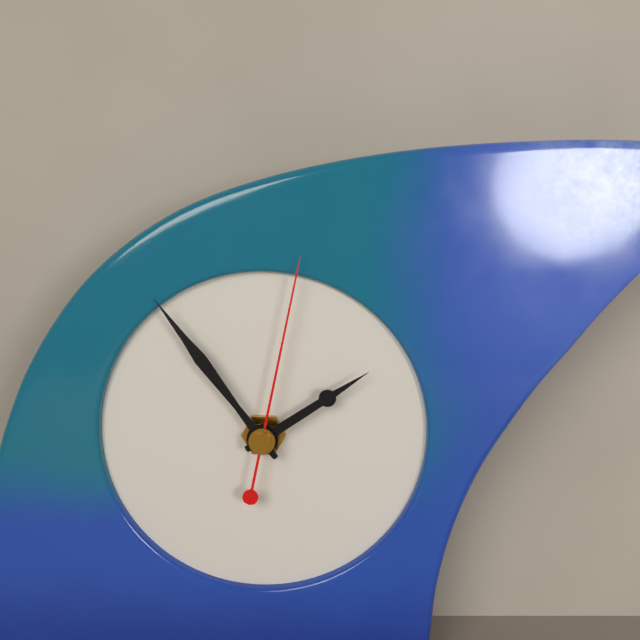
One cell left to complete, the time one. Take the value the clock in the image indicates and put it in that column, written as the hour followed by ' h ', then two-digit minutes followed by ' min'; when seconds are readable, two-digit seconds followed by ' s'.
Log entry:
1 h 54 min 02 s
